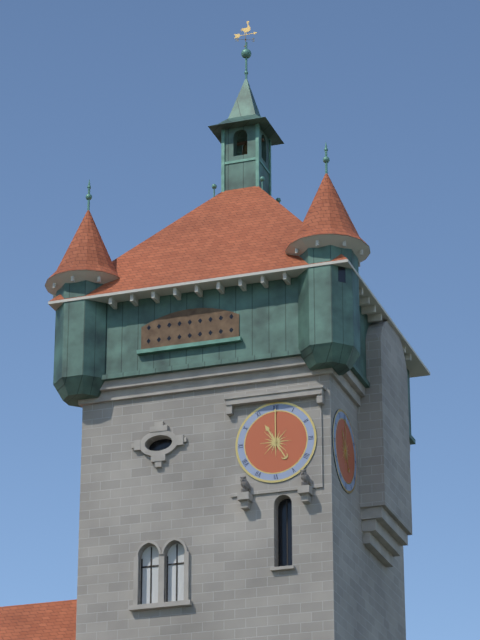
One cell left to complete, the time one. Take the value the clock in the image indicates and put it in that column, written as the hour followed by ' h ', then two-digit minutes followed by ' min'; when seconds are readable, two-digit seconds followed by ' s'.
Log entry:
11 h 00 min
